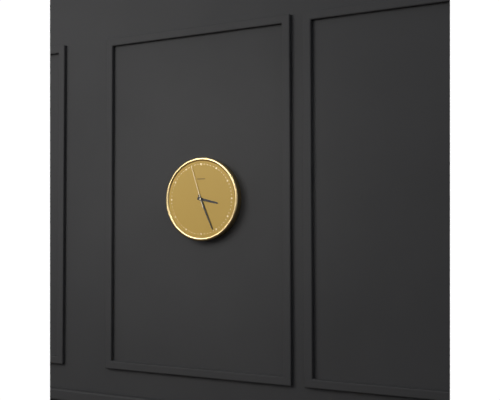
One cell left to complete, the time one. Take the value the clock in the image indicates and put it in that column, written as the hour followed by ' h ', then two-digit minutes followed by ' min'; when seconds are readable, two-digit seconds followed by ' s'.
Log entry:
3 h 26 min
